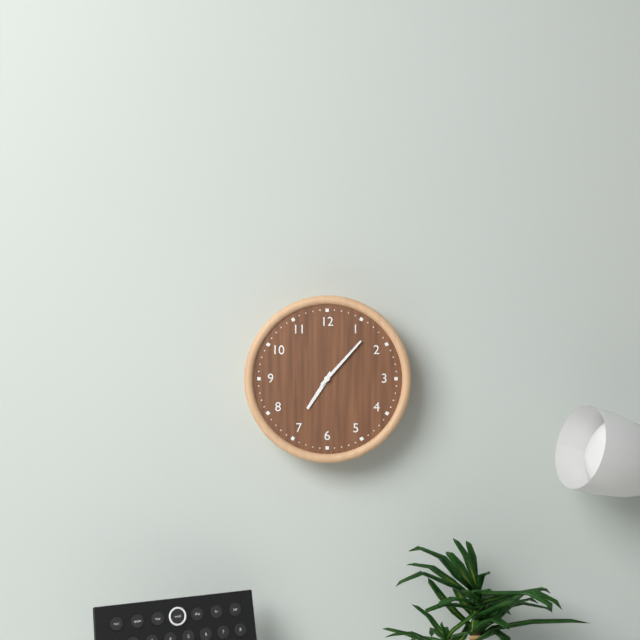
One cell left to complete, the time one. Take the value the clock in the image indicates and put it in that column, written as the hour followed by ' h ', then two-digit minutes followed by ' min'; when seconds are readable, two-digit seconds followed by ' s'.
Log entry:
7 h 07 min
